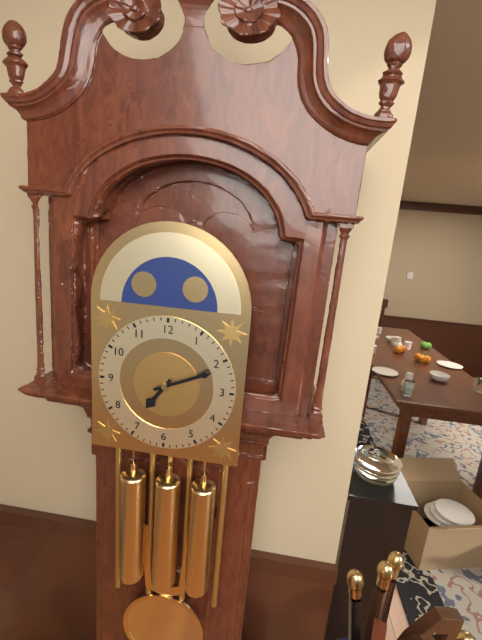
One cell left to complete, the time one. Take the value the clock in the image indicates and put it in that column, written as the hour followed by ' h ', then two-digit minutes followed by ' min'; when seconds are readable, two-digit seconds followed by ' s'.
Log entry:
7 h 11 min
